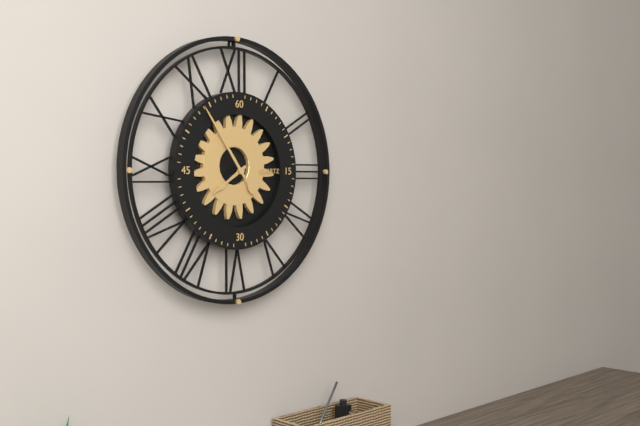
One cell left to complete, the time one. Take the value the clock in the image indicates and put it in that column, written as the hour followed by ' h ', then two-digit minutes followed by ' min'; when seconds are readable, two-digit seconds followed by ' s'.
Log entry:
7 h 54 min
